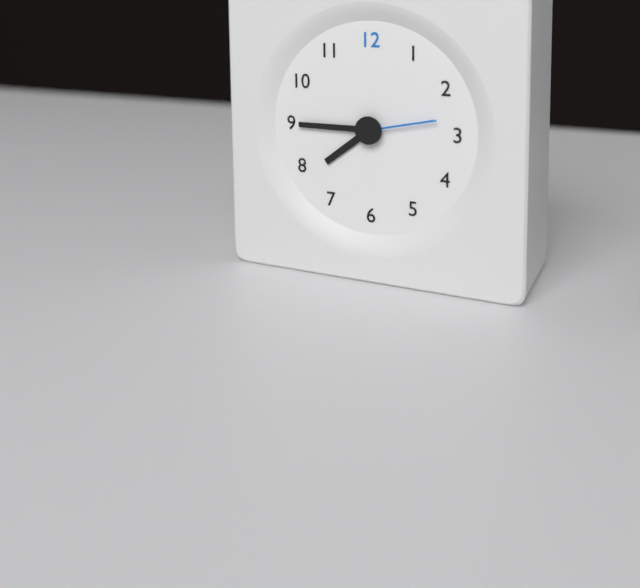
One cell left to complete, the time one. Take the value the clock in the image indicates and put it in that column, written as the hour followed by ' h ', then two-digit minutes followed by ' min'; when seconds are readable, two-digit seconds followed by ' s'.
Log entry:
7 h 45 min 13 s
